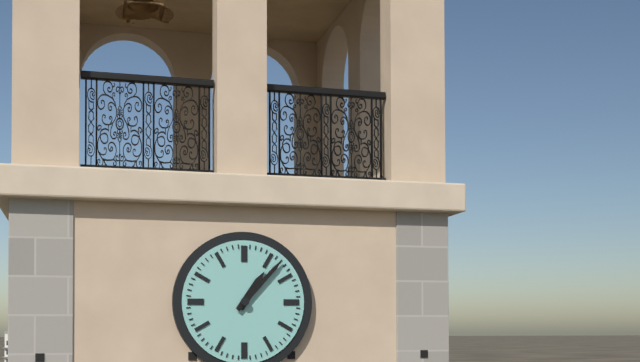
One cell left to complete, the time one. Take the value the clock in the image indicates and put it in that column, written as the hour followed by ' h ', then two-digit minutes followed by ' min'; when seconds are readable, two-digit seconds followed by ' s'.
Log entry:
1 h 07 min
